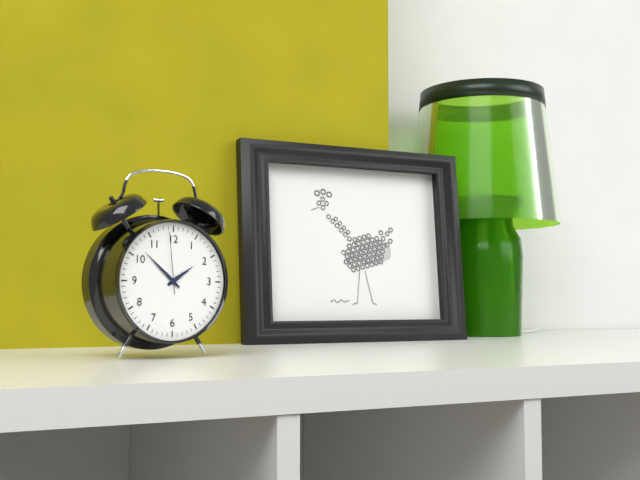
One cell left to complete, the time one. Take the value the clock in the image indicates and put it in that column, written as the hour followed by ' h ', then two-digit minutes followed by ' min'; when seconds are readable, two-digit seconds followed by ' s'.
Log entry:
1 h 52 min 59 s
